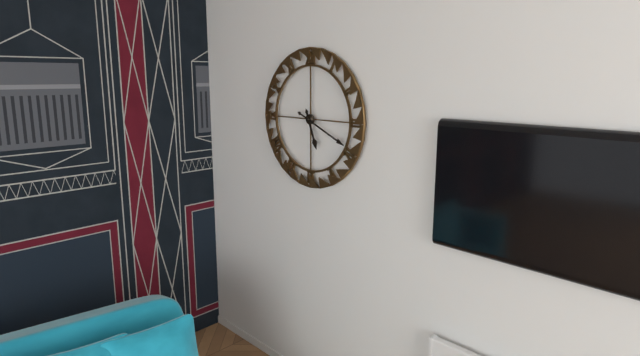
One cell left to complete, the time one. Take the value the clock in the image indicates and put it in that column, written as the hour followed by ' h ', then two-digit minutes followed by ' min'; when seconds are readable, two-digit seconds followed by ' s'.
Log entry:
5 h 19 min
